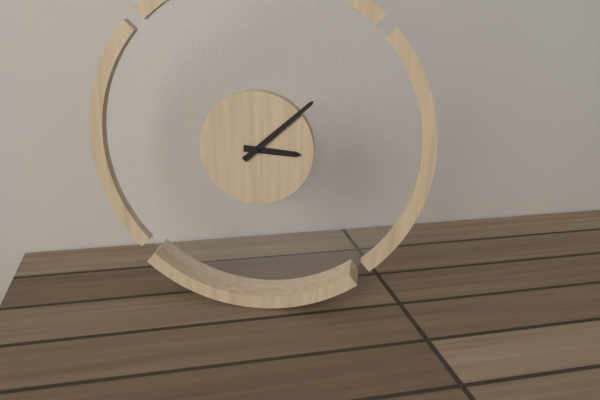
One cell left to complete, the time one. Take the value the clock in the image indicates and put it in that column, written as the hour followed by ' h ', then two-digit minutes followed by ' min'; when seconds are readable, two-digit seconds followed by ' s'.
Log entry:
3 h 08 min
